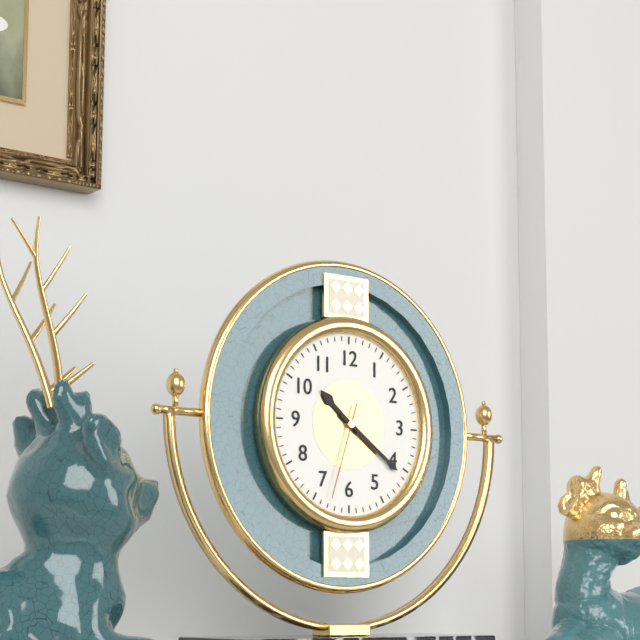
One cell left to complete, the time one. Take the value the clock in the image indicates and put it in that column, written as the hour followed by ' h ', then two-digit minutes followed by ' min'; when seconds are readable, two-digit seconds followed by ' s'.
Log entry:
10 h 21 min 33 s
